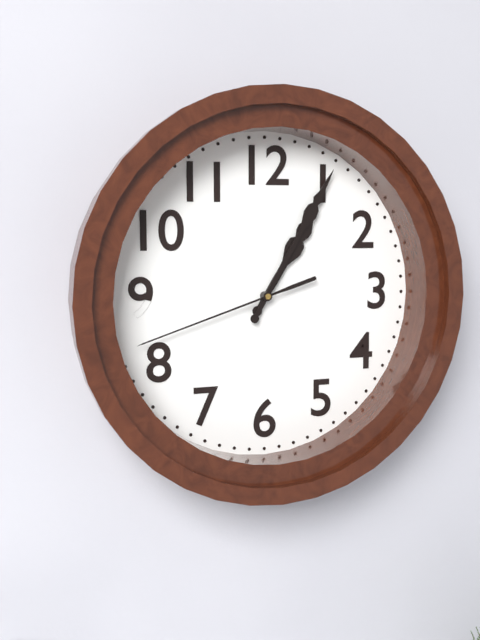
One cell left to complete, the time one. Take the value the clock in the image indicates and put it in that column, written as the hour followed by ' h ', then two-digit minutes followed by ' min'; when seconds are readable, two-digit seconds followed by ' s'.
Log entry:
1 h 05 min 42 s
